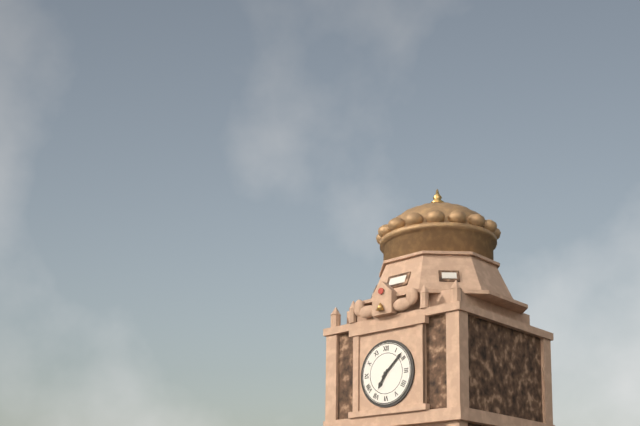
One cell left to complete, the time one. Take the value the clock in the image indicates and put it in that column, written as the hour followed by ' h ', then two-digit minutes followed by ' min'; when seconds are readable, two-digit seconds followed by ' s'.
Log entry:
7 h 08 min
